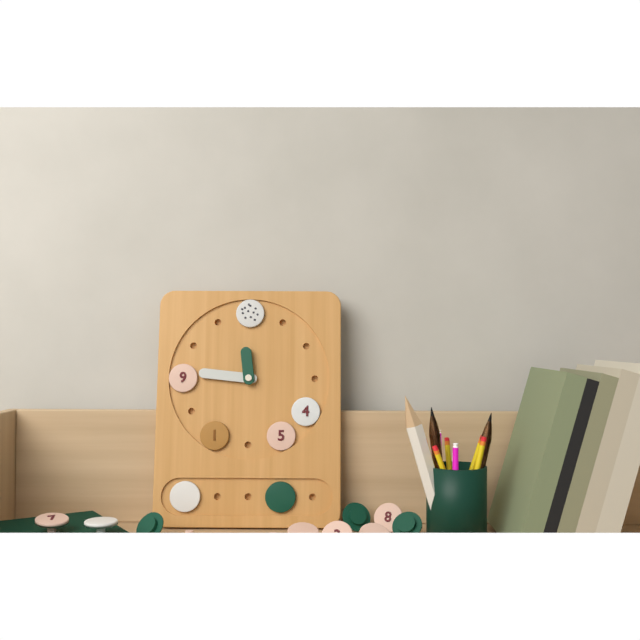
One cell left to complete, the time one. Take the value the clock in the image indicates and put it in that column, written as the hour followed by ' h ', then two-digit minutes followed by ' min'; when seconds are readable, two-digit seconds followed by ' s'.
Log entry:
11 h 46 min
